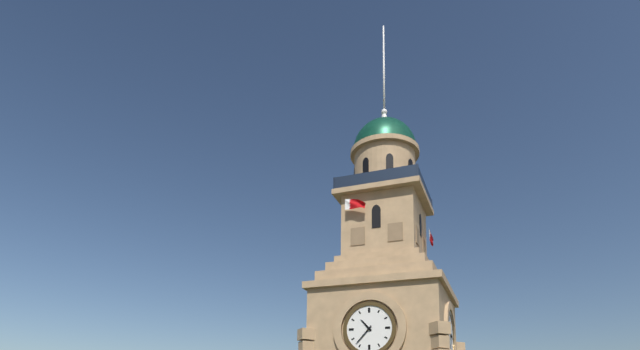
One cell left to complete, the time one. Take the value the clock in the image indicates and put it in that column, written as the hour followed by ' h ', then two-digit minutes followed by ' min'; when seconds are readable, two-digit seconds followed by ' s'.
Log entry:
10 h 37 min
